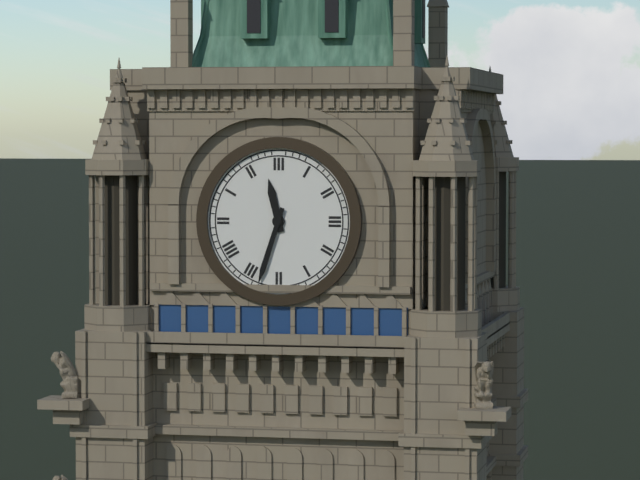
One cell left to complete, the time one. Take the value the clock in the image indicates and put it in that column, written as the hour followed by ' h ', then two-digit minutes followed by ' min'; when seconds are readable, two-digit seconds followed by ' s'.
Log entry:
11 h 33 min
